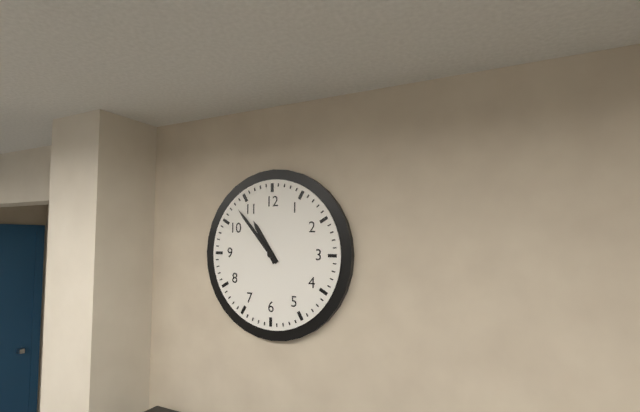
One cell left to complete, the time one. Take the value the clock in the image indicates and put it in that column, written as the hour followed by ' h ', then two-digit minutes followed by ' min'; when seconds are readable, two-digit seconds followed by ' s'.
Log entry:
10 h 53 min
